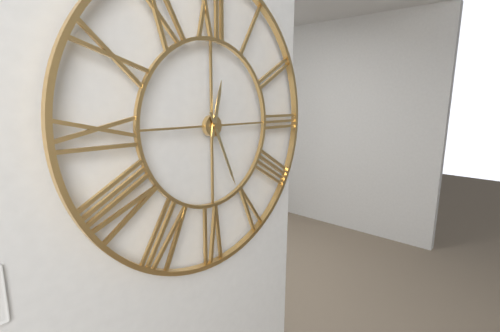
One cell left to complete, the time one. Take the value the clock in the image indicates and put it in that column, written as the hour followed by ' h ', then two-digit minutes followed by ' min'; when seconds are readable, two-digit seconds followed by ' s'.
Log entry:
12 h 26 min
